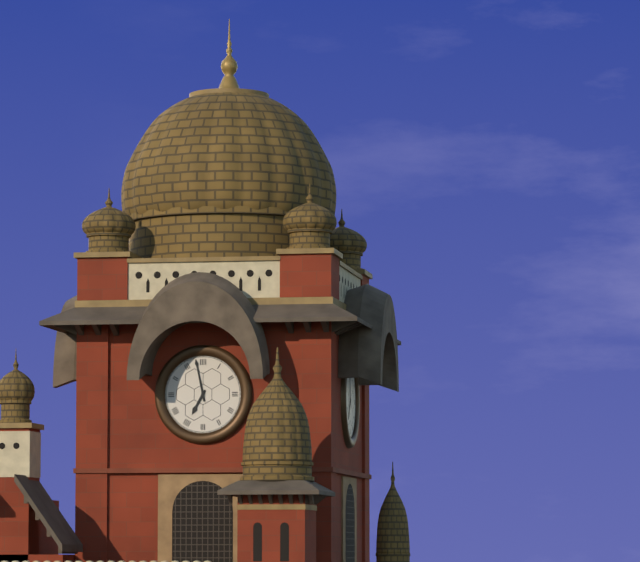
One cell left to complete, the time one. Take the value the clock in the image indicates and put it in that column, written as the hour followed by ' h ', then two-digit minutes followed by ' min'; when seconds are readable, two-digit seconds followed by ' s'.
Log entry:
6 h 58 min
